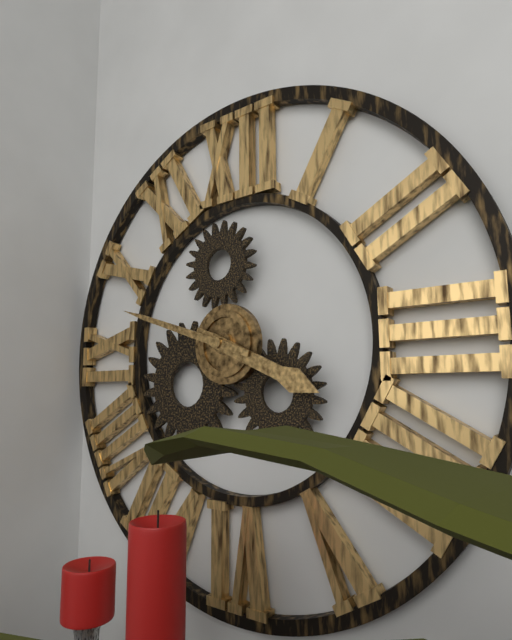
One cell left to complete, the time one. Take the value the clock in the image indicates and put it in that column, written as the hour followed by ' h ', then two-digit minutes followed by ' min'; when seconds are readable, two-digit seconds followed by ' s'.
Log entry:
3 h 48 min
